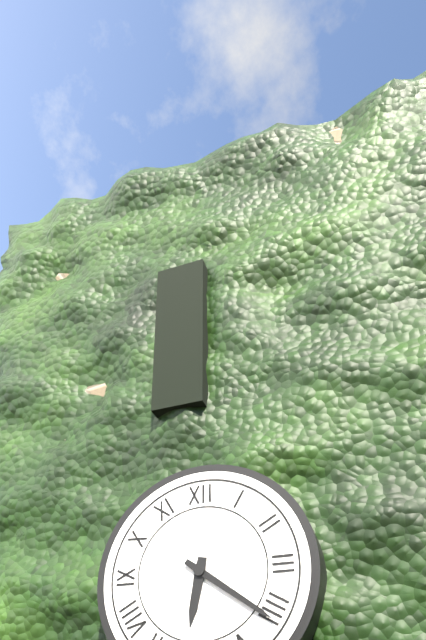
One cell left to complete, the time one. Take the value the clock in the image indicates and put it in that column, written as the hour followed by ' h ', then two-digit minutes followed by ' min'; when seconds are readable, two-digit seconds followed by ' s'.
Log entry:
6 h 21 min
